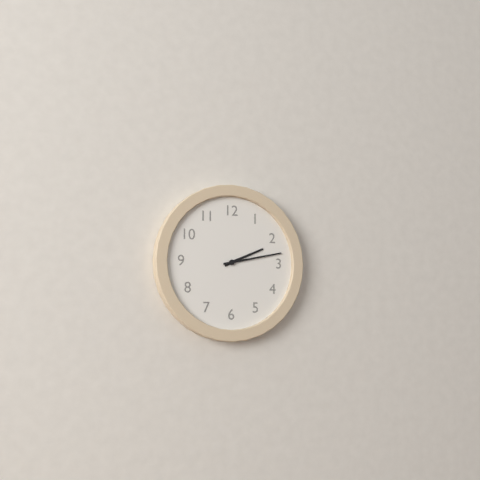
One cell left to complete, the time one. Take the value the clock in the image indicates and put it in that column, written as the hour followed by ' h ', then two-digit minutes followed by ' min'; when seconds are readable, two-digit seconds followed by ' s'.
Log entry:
2 h 13 min
